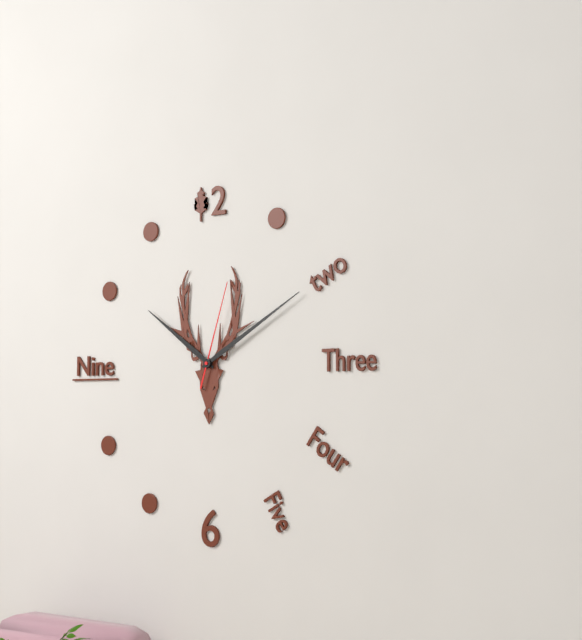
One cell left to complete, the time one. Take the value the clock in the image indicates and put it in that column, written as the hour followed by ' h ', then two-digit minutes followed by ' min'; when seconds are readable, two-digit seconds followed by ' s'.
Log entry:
10 h 10 min 03 s
